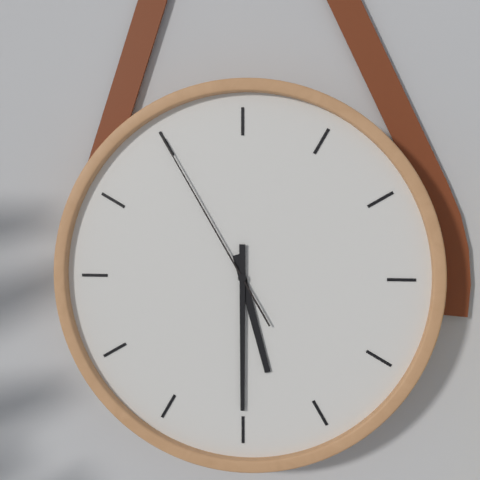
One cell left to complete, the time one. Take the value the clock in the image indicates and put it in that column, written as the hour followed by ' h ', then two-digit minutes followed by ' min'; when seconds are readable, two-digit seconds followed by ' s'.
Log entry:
5 h 30 min 55 s
